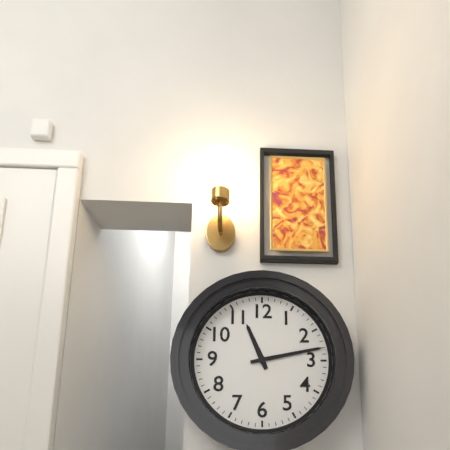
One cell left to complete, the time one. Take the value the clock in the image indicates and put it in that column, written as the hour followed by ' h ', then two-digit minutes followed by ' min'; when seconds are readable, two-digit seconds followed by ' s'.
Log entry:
11 h 13 min
